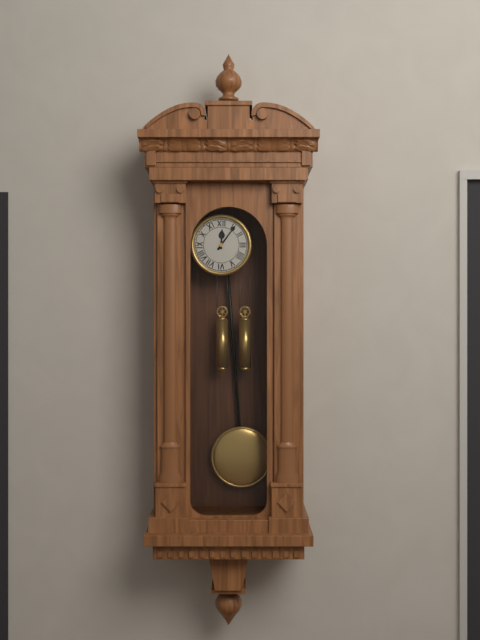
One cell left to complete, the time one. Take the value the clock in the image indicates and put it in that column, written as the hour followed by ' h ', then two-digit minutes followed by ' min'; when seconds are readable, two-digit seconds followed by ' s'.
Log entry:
12 h 06 min
